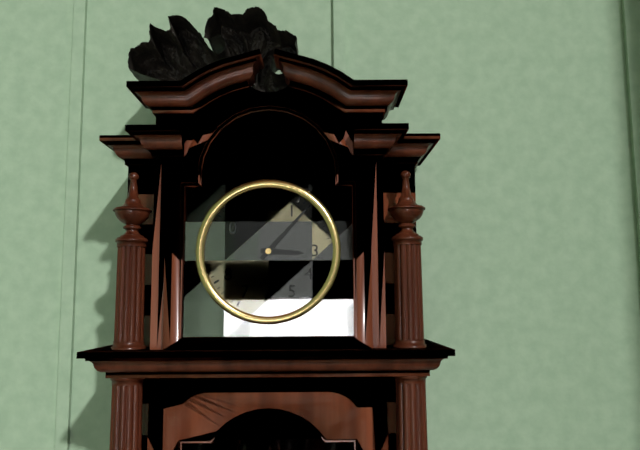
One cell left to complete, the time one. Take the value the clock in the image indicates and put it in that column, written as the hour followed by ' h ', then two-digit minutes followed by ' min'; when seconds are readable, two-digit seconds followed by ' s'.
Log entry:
3 h 07 min
